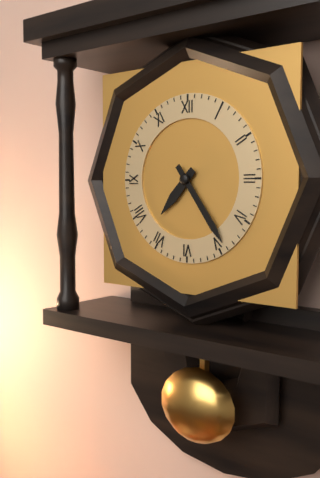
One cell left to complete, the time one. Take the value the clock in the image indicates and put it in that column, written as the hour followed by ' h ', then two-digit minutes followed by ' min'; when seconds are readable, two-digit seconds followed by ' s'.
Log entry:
7 h 24 min
